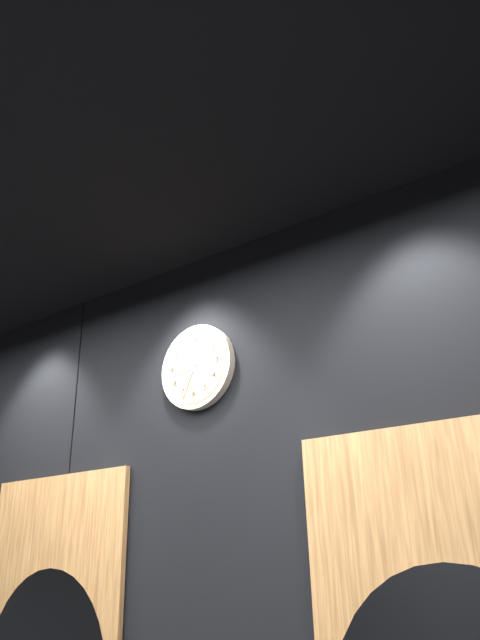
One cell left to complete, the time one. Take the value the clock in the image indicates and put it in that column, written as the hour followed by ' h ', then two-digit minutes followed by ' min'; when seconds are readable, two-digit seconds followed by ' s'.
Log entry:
5 h 34 min
